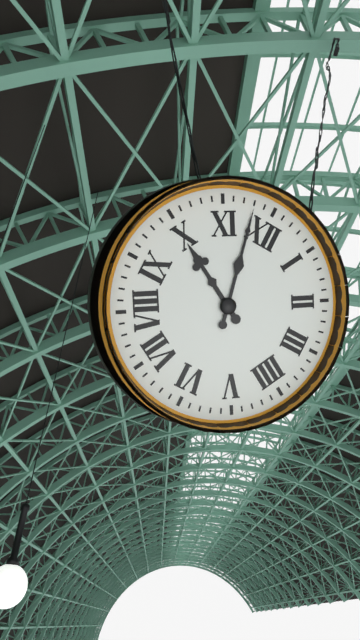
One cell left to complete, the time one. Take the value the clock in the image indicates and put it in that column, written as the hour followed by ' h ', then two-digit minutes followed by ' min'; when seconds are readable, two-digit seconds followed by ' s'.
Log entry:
9 h 58 min
